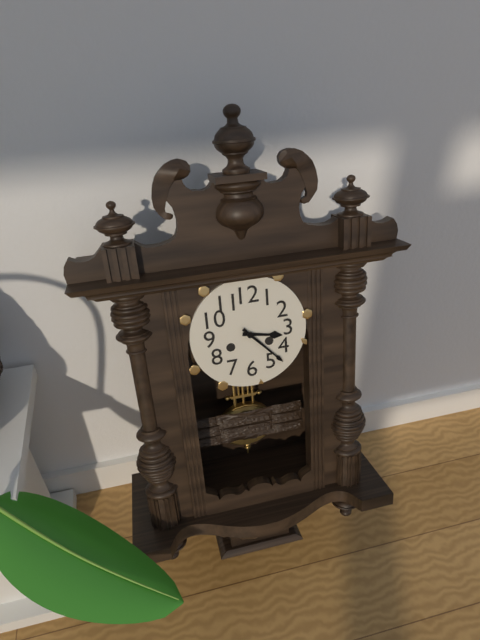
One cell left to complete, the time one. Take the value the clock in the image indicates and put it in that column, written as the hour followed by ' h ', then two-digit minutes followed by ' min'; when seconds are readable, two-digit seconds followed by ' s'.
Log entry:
3 h 23 min
